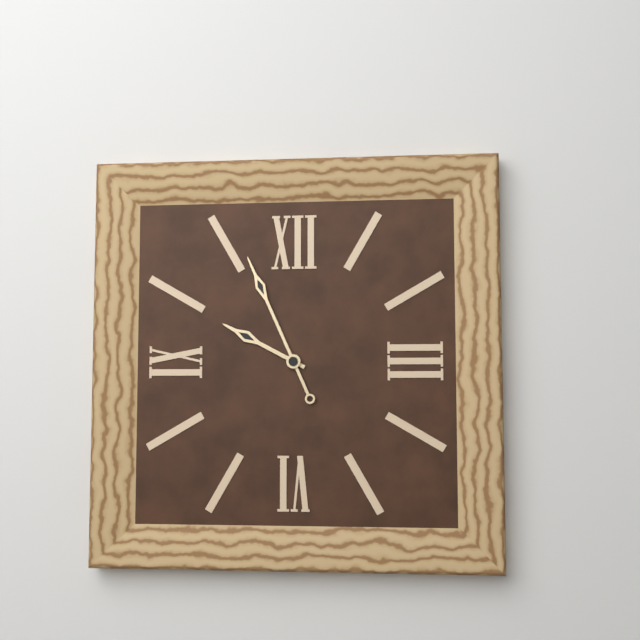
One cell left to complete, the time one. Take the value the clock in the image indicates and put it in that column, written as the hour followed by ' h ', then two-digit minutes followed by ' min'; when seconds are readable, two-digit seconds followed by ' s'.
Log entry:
9 h 56 min
